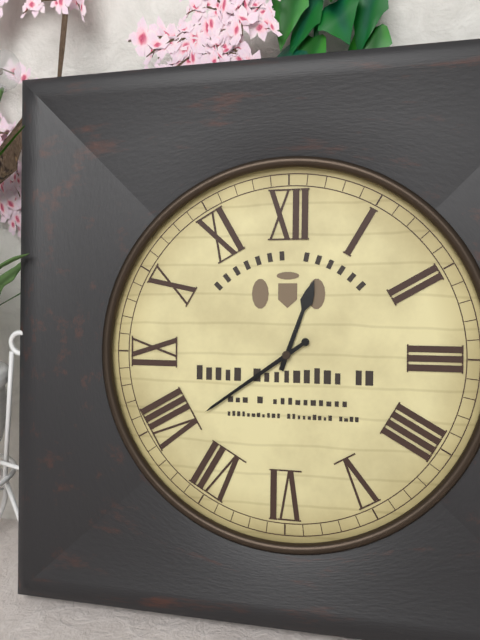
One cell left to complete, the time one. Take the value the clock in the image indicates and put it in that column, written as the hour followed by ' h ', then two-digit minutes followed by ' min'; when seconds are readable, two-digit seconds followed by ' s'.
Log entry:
12 h 39 min
